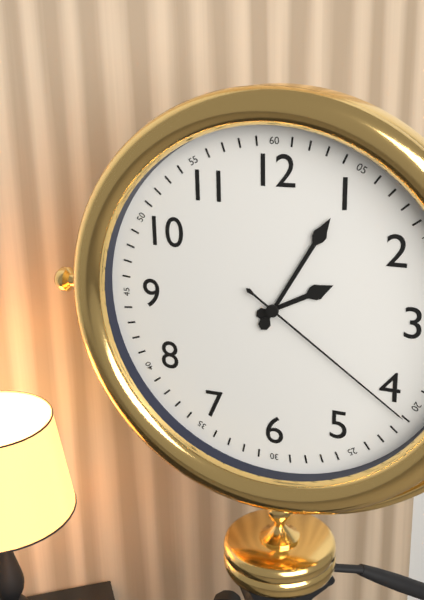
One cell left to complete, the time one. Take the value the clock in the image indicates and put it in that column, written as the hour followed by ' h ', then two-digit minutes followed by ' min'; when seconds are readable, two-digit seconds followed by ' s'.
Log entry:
2 h 05 min 21 s
